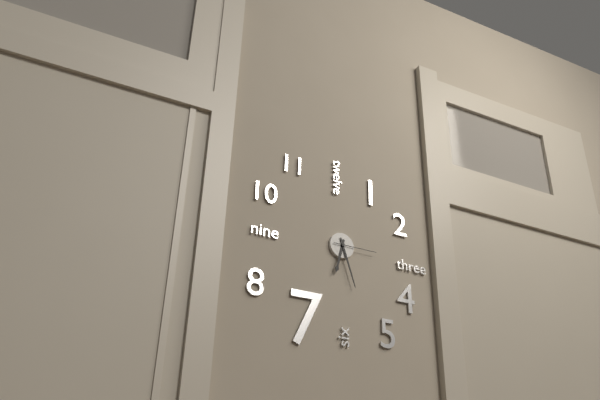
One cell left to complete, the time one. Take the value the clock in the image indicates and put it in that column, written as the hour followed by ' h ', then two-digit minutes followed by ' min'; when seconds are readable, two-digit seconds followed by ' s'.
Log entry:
6 h 27 min
